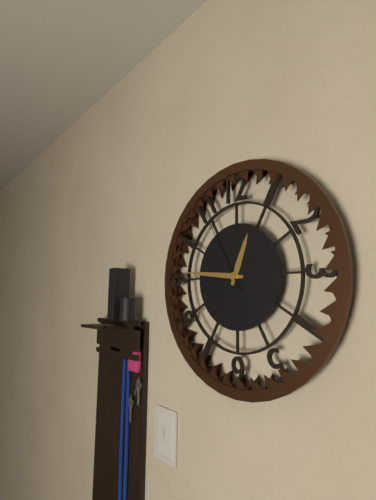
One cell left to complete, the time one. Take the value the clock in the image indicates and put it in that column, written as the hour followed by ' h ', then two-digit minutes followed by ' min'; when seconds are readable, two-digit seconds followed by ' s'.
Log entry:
12 h 46 min 55 s
